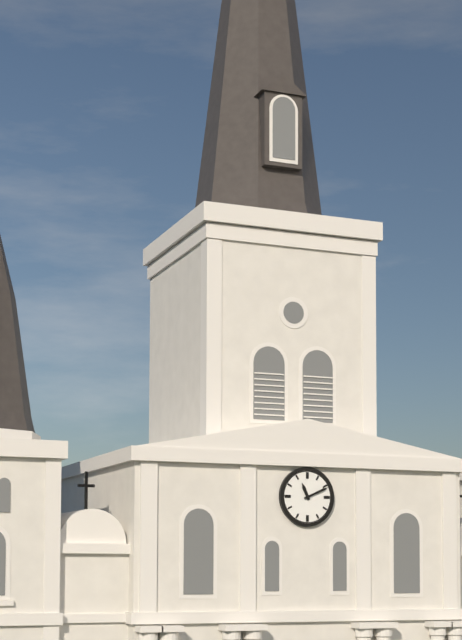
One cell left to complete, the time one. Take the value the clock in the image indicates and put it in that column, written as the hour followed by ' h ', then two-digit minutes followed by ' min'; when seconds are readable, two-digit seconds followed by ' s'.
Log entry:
11 h 11 min
